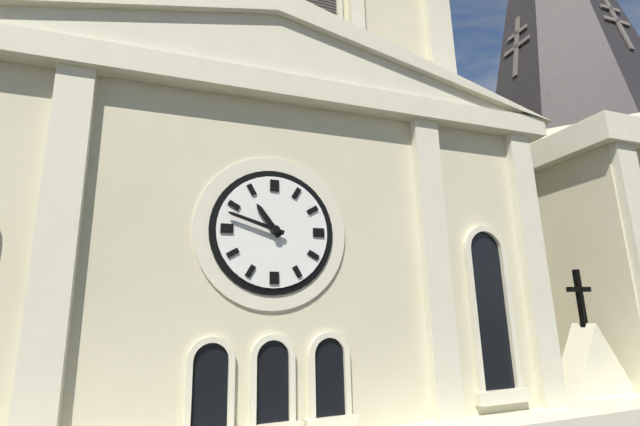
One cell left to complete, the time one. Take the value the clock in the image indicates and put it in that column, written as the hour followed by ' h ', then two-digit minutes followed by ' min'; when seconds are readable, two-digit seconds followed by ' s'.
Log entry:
10 h 48 min
